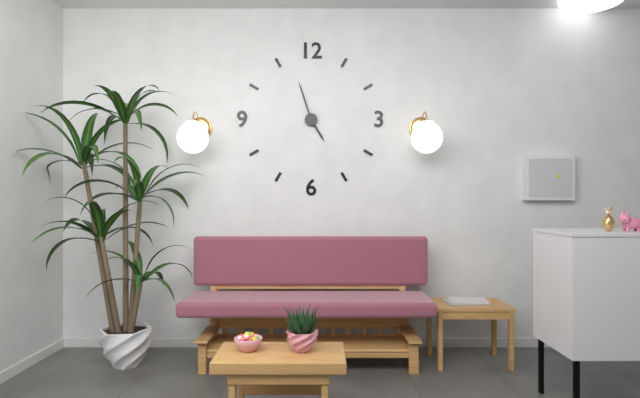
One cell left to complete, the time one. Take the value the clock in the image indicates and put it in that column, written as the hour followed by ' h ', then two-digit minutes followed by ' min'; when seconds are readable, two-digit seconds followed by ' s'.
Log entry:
4 h 57 min
